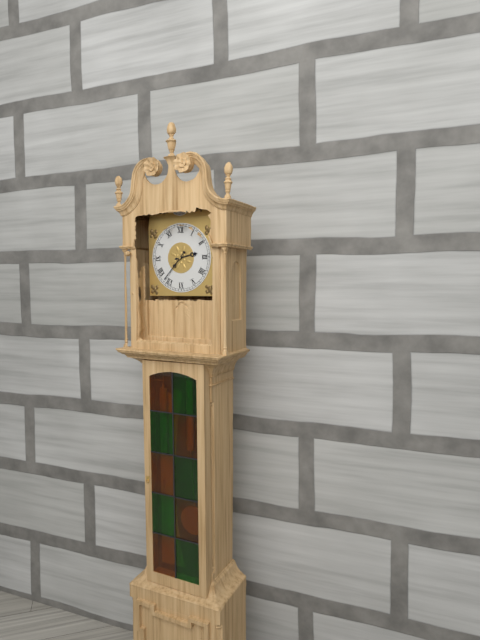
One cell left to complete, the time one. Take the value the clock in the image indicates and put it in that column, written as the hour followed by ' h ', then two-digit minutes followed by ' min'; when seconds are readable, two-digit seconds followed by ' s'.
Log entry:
2 h 37 min
